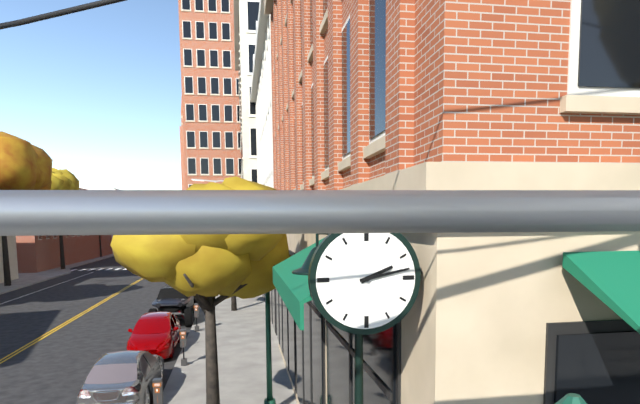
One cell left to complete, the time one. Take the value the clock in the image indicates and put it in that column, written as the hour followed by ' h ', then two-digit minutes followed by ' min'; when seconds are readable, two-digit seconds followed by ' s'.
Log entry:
2 h 13 min
